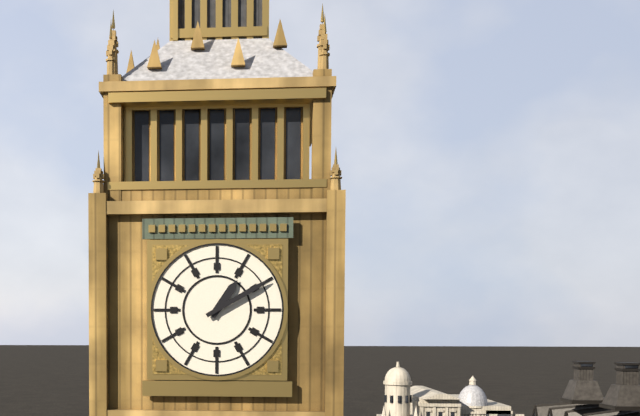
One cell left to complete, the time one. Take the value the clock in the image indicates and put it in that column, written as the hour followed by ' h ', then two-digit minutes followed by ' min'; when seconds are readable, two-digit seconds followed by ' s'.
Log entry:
1 h 10 min
